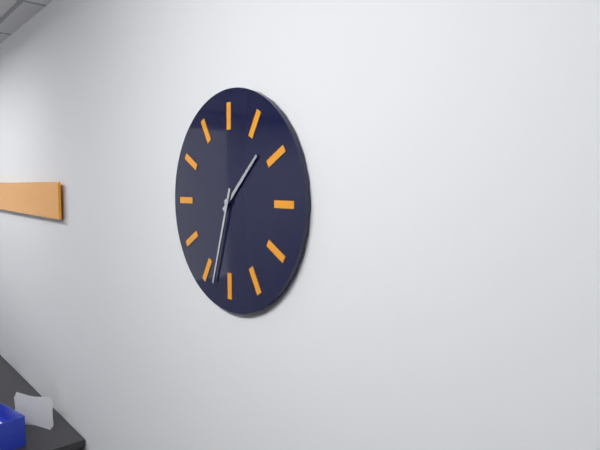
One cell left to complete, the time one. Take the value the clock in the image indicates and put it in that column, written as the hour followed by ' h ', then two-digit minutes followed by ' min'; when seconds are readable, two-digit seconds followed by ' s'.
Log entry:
1 h 33 min
